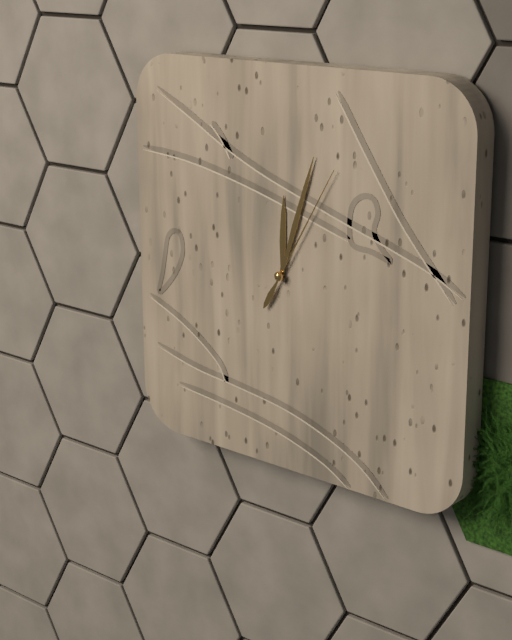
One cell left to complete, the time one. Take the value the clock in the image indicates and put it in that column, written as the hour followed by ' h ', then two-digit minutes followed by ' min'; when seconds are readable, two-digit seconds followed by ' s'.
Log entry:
12 h 03 min 05 s
